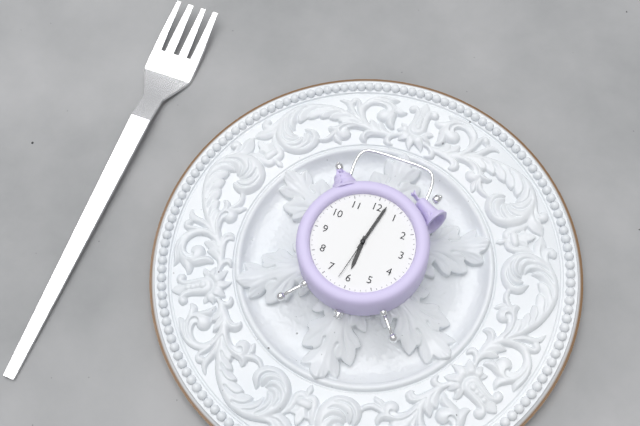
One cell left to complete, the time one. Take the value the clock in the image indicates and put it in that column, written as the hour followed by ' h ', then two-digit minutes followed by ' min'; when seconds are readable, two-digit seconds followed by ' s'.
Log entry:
6 h 02 min 32 s
